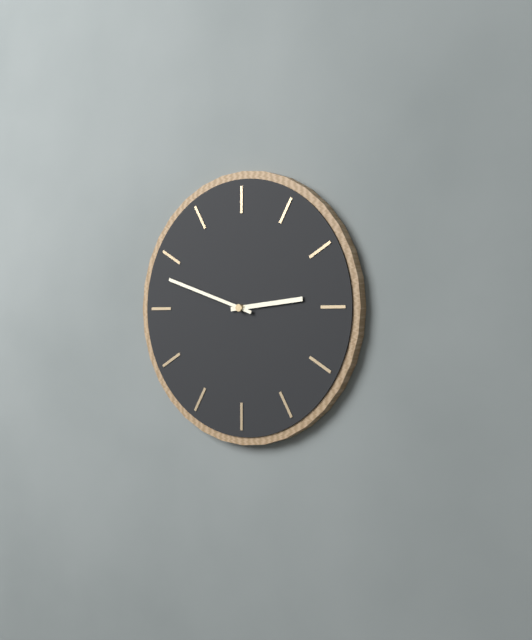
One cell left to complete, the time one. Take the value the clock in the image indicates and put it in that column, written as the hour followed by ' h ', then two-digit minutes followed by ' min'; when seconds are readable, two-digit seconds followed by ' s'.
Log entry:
2 h 48 min
